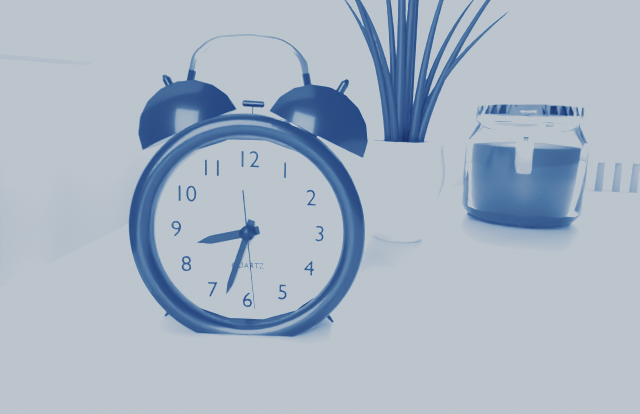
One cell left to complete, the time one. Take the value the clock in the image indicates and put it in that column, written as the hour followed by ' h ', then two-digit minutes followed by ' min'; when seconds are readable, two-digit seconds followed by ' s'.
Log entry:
8 h 33 min 29 s
